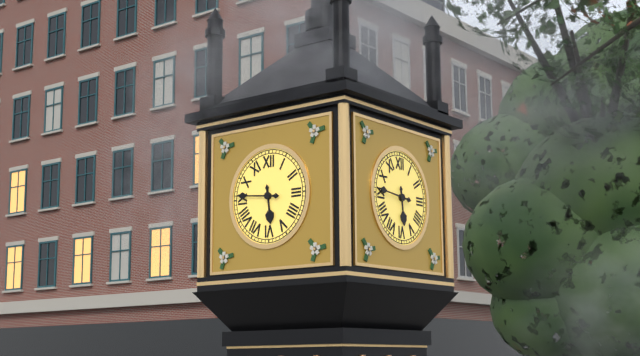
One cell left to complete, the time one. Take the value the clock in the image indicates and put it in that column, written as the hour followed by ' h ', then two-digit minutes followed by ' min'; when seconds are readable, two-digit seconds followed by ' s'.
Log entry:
5 h 46 min
